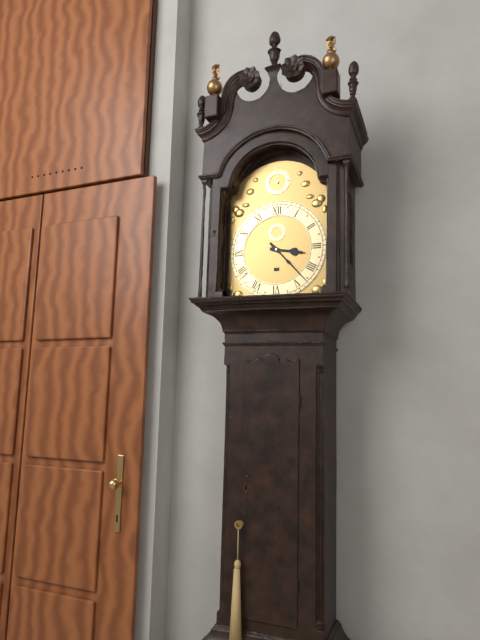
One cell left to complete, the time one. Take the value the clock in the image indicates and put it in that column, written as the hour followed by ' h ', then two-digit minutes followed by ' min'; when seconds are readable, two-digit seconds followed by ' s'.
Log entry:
3 h 23 min
